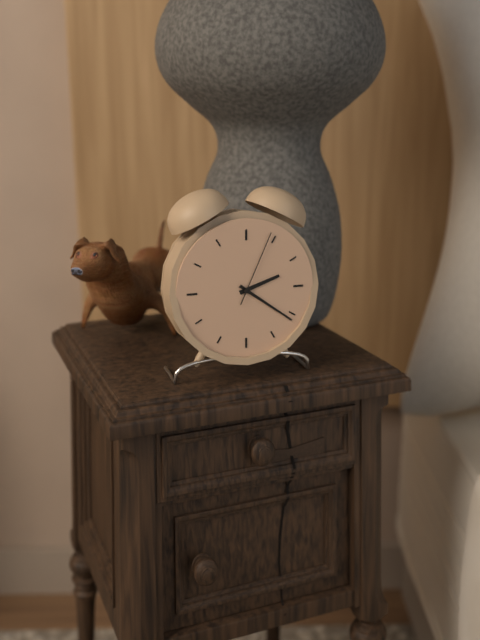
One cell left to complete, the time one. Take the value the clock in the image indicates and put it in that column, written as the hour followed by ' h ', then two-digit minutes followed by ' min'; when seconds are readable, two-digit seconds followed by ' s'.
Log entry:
2 h 21 min 04 s
